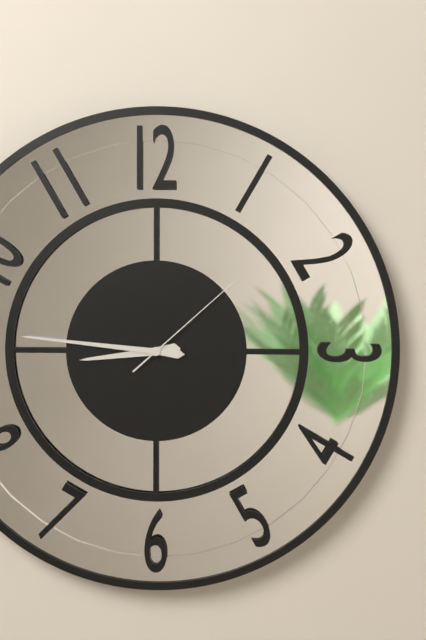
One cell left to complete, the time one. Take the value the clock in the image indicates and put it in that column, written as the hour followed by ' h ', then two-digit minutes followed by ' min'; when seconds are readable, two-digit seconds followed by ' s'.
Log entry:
8 h 46 min 08 s
